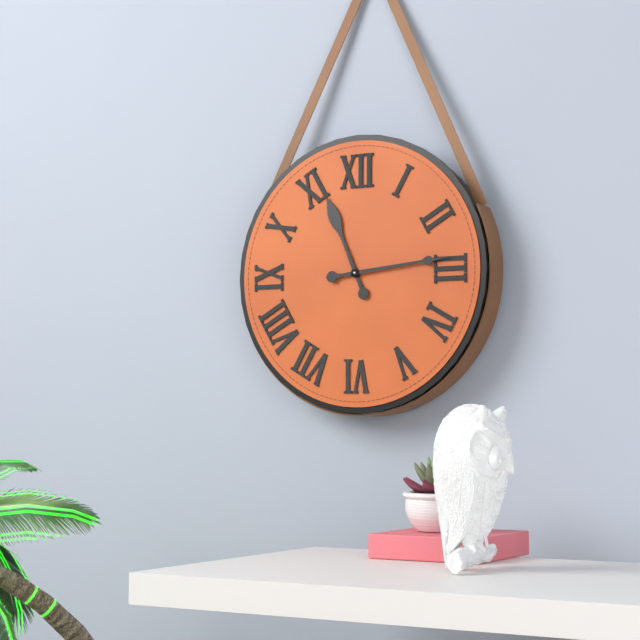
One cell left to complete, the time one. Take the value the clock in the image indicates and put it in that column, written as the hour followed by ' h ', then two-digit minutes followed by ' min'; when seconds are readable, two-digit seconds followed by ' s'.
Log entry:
11 h 14 min
